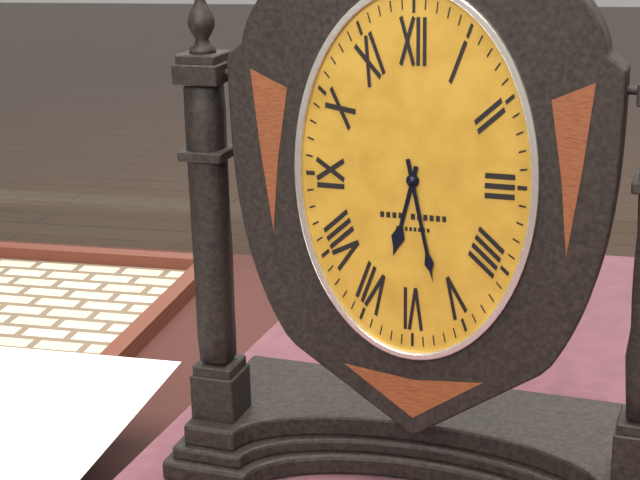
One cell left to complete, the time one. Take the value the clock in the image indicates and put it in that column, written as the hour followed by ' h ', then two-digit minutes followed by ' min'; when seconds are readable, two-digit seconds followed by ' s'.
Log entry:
6 h 28 min
